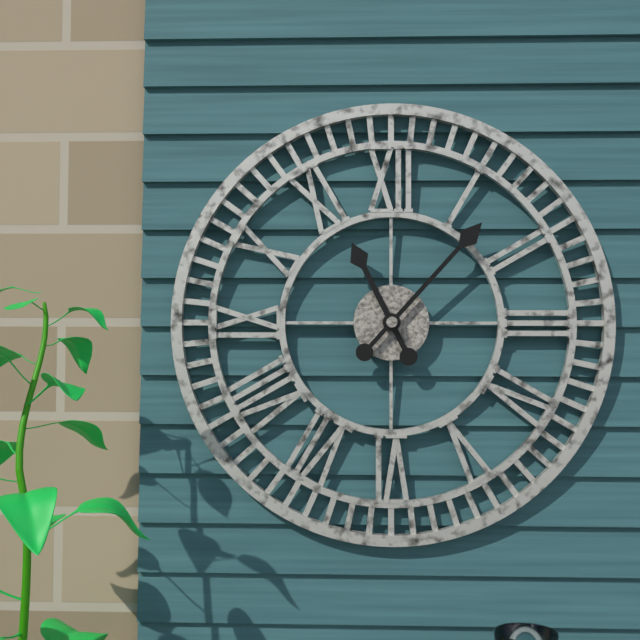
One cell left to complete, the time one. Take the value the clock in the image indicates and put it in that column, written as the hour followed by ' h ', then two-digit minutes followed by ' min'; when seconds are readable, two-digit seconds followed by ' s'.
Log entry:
11 h 07 min
